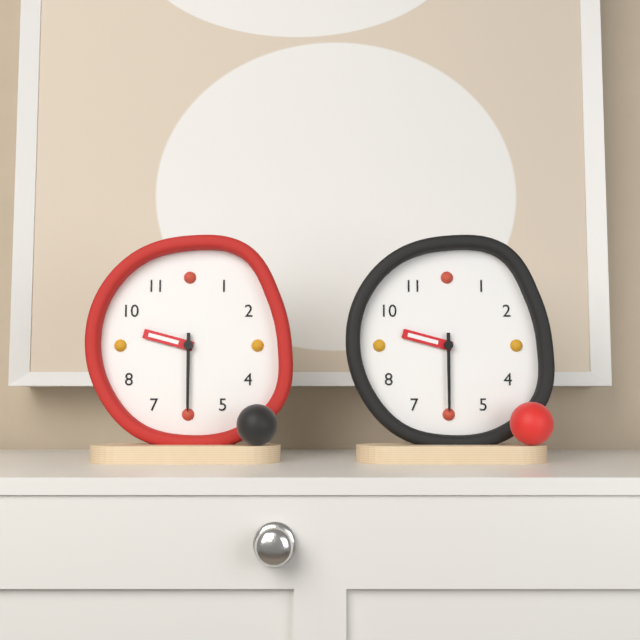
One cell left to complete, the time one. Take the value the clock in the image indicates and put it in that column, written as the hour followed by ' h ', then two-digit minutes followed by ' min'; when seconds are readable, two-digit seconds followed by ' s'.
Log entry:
9 h 30 min
